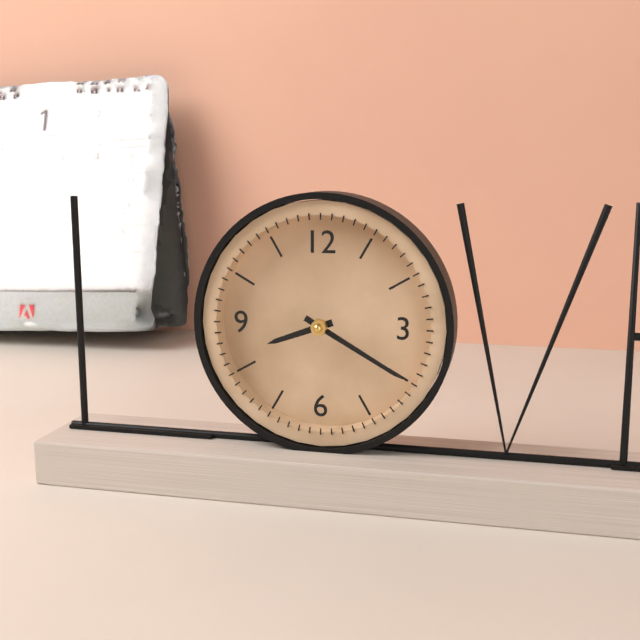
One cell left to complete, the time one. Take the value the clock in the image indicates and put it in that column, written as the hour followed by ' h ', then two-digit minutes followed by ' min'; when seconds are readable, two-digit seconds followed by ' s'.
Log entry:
8 h 20 min
